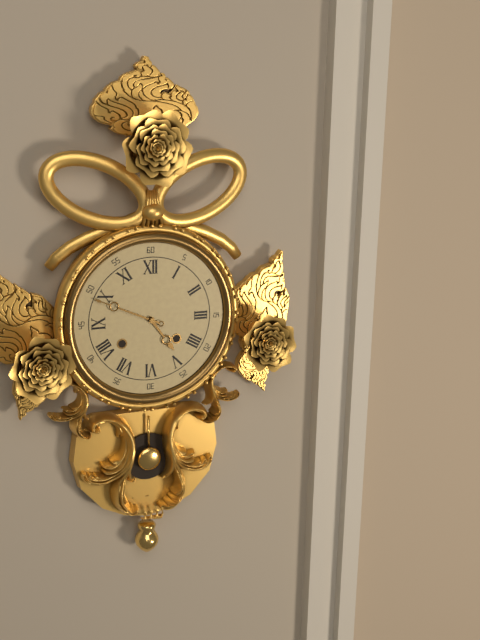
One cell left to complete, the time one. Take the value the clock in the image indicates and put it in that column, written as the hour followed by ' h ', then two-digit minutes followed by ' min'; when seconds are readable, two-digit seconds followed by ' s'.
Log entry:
4 h 49 min
